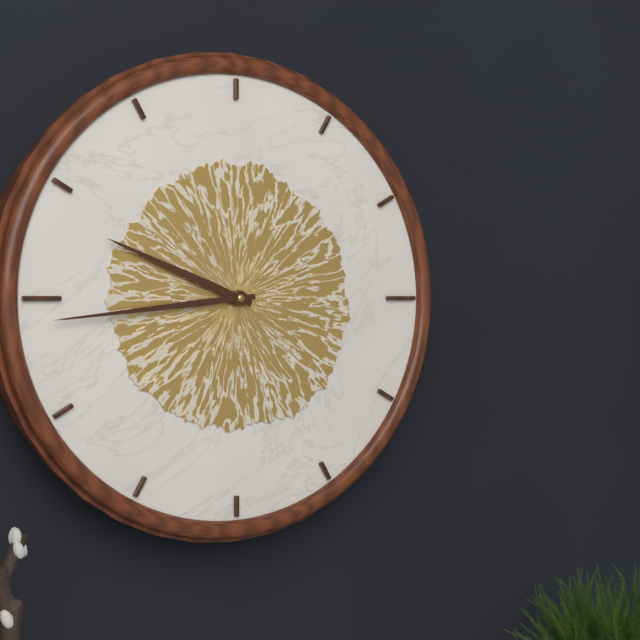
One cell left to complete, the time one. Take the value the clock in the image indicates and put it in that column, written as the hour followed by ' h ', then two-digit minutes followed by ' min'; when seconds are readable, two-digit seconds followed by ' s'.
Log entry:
9 h 44 min
